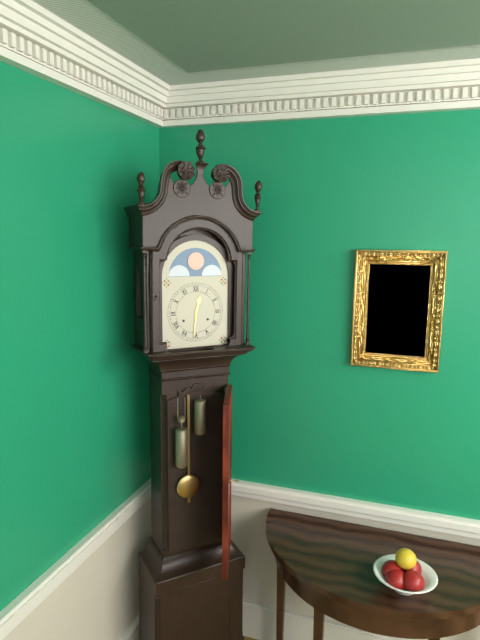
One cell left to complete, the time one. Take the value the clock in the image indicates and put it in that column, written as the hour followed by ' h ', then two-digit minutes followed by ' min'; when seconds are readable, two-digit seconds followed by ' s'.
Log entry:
12 h 31 min
